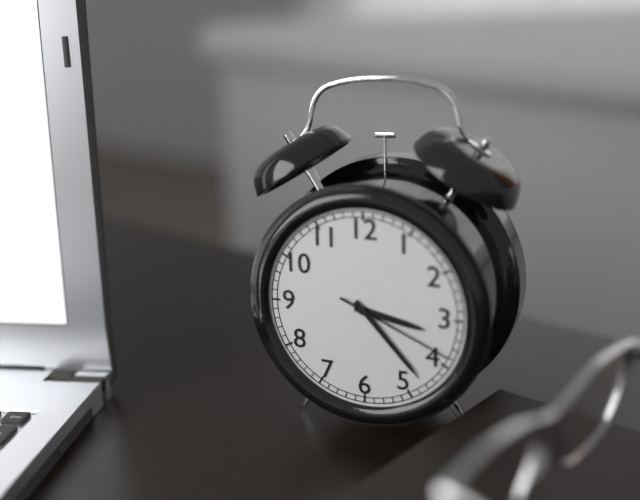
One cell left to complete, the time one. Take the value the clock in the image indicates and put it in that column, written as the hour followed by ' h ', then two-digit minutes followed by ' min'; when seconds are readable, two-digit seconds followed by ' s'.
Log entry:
3 h 23 min 19 s
